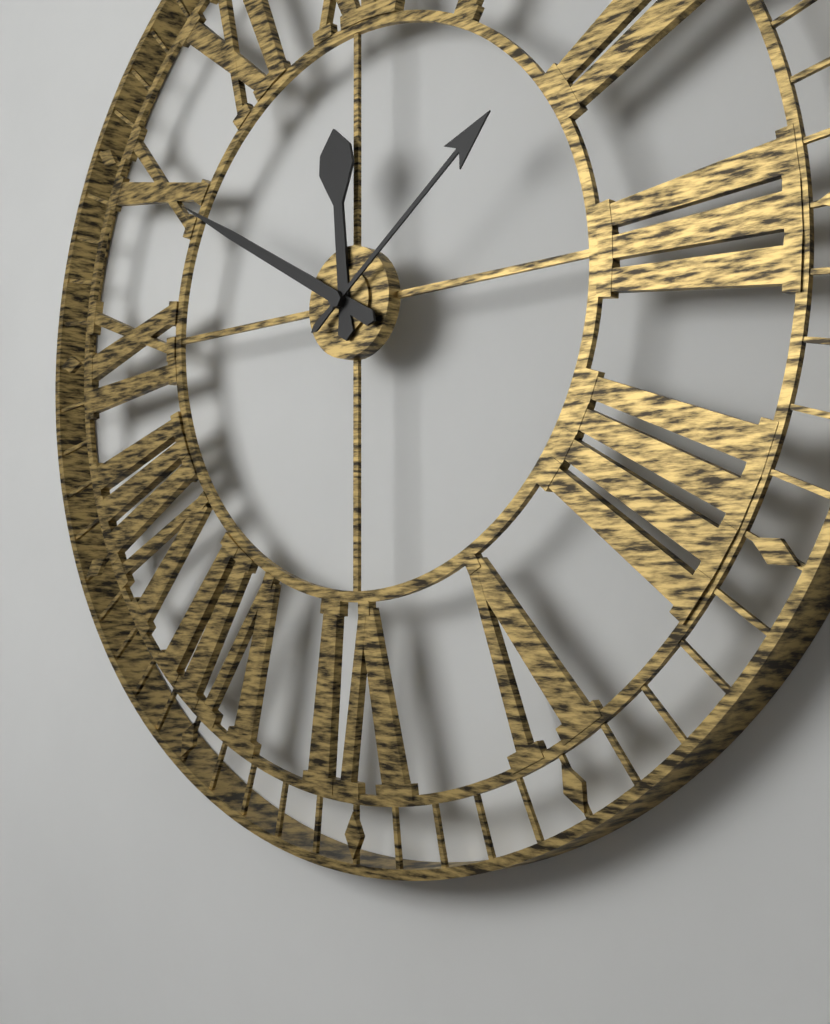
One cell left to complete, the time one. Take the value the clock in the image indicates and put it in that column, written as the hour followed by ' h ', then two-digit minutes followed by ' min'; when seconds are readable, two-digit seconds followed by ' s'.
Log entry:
11 h 50 min 09 s
